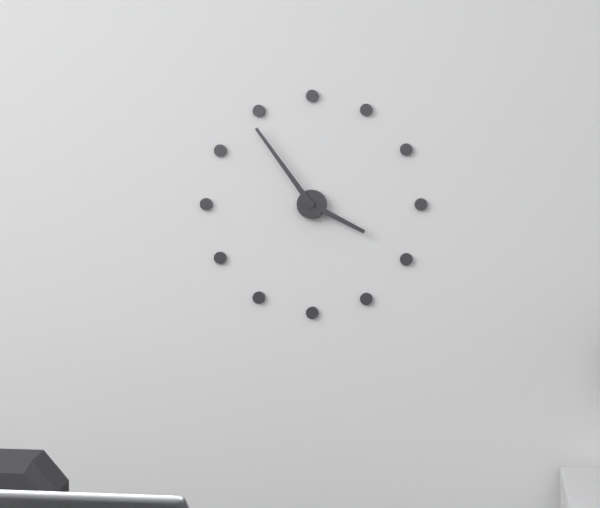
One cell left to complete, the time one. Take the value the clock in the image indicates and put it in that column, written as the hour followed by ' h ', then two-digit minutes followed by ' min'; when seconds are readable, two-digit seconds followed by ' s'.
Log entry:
3 h 54 min
